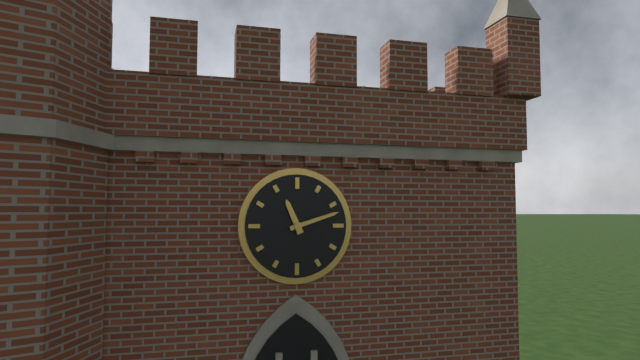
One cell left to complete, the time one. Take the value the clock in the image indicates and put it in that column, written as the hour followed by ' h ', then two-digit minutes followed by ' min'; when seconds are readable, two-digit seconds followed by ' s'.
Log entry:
11 h 12 min
